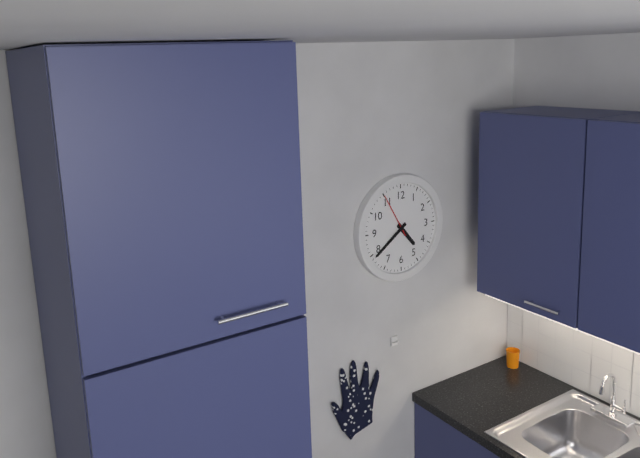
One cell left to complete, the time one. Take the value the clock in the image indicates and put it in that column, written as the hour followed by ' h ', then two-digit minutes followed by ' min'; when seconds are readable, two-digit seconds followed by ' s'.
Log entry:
4 h 39 min
